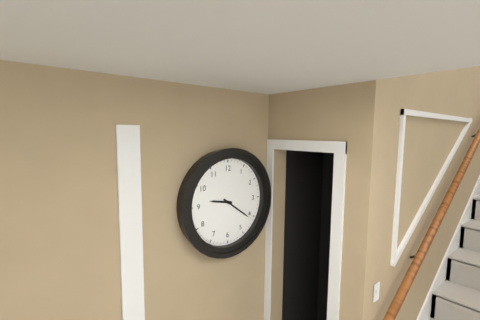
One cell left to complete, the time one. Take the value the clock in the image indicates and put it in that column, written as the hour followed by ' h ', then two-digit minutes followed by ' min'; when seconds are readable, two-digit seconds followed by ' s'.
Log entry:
9 h 21 min
